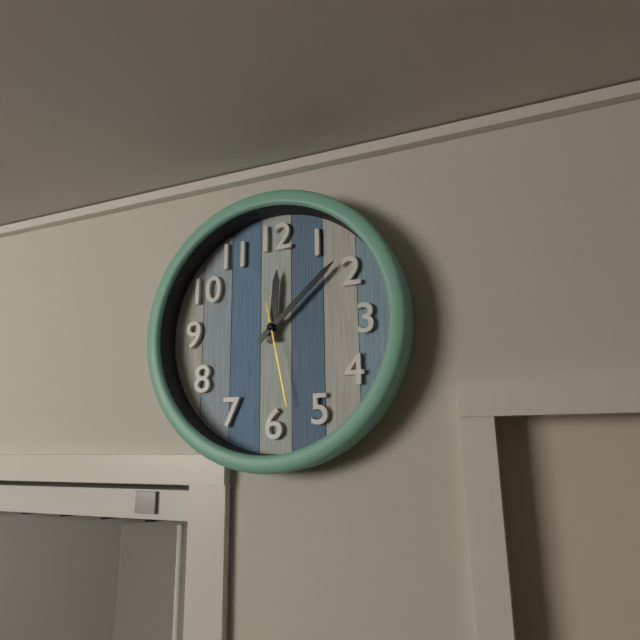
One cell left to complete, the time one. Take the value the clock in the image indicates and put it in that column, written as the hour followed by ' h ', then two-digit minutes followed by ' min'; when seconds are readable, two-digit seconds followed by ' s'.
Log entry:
12 h 08 min 28 s
